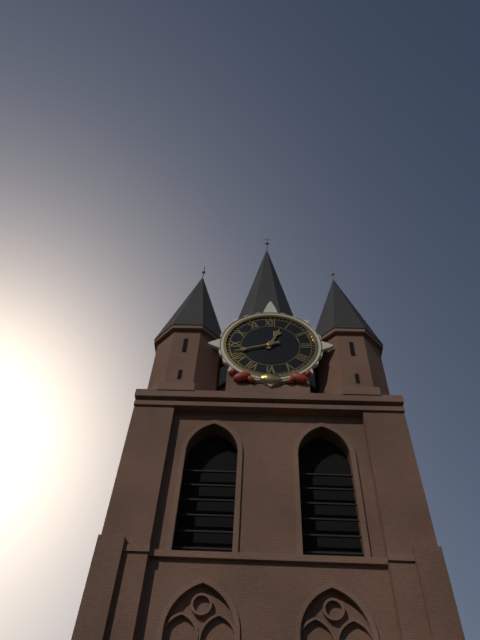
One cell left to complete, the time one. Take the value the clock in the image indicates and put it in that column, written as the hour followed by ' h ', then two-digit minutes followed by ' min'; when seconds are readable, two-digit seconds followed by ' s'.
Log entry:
12 h 42 min
